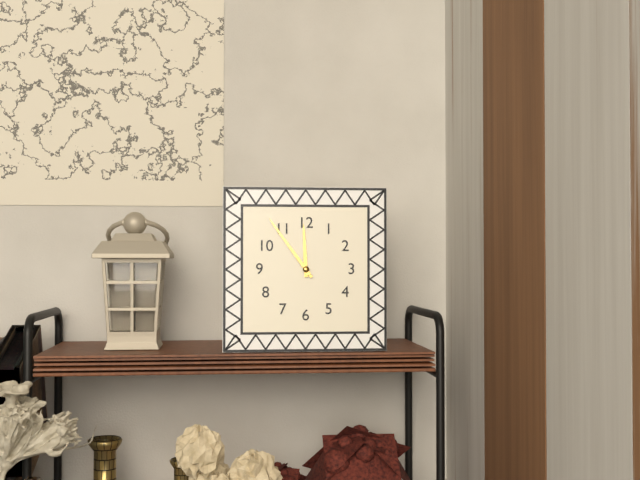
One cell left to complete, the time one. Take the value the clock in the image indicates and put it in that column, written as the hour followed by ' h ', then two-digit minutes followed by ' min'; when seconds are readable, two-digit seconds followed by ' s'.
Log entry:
11 h 54 min
